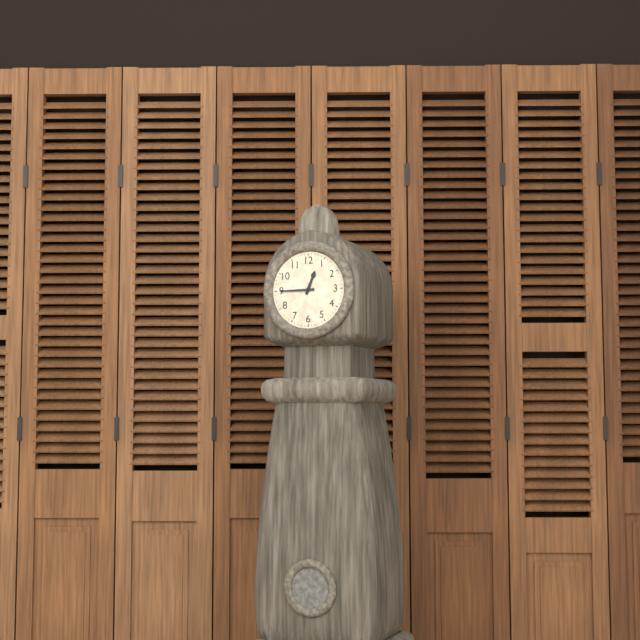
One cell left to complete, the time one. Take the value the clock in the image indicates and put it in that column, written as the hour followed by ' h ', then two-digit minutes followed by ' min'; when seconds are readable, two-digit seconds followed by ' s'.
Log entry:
12 h 45 min
